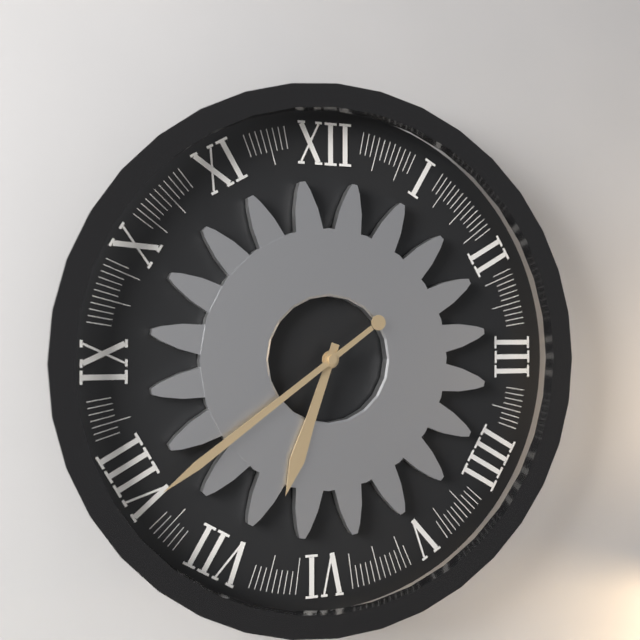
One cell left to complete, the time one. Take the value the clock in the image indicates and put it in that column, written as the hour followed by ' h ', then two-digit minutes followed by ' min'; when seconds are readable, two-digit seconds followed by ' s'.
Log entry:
6 h 39 min
